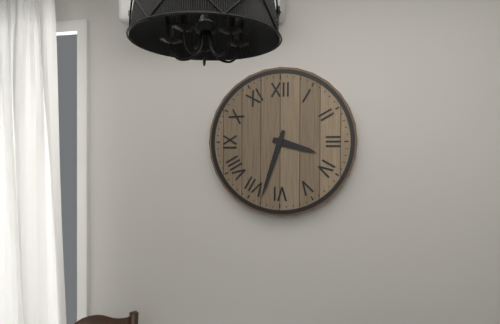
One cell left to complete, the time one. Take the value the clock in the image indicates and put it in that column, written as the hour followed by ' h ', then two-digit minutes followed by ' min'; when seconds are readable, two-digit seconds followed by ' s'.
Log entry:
3 h 33 min
